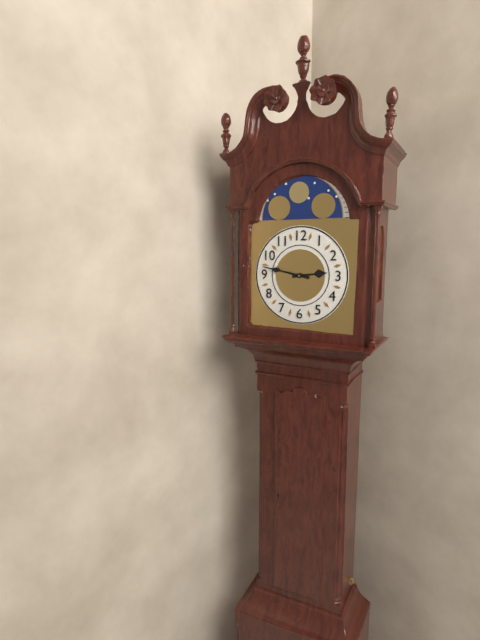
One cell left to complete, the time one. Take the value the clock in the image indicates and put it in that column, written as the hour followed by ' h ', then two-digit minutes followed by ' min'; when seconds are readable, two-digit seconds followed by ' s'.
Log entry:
2 h 47 min
